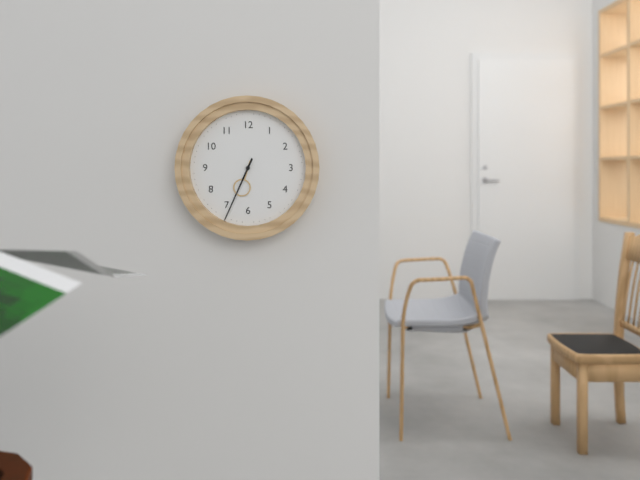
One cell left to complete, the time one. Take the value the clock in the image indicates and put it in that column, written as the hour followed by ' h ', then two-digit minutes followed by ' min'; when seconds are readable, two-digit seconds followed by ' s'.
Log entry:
6 h 34 min
